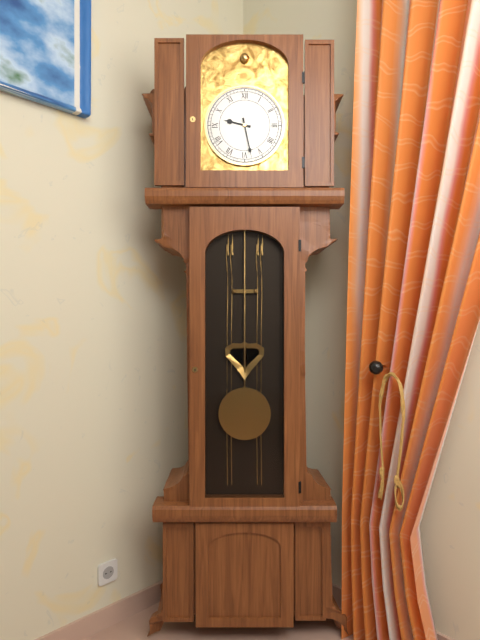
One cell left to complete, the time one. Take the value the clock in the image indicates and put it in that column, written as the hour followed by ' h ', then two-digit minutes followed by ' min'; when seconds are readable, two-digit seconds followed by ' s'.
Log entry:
9 h 28 min
